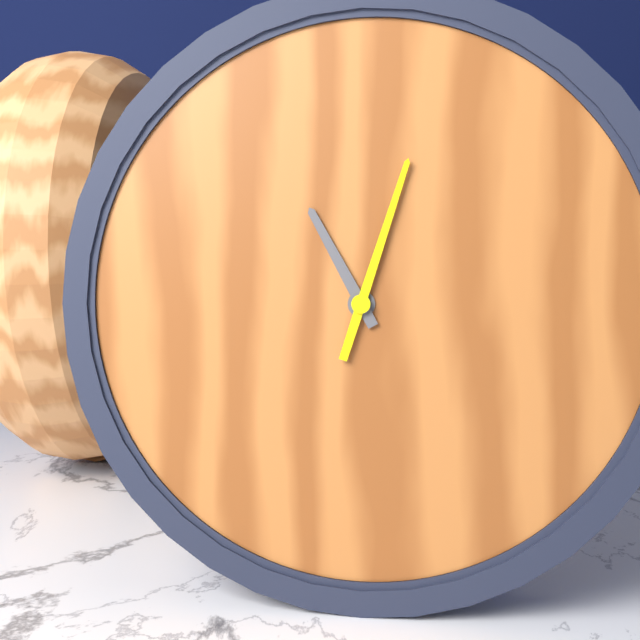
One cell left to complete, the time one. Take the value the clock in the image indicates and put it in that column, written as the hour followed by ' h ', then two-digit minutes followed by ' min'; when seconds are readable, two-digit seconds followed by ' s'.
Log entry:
11 h 03 min
